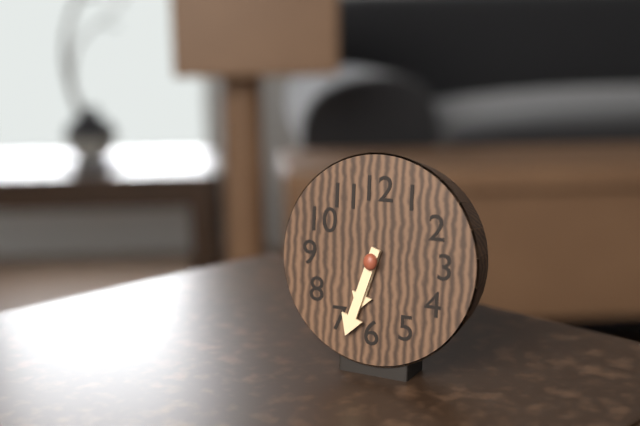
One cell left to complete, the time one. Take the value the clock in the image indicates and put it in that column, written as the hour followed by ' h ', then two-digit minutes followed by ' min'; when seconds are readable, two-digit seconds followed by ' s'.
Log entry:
6 h 33 min
